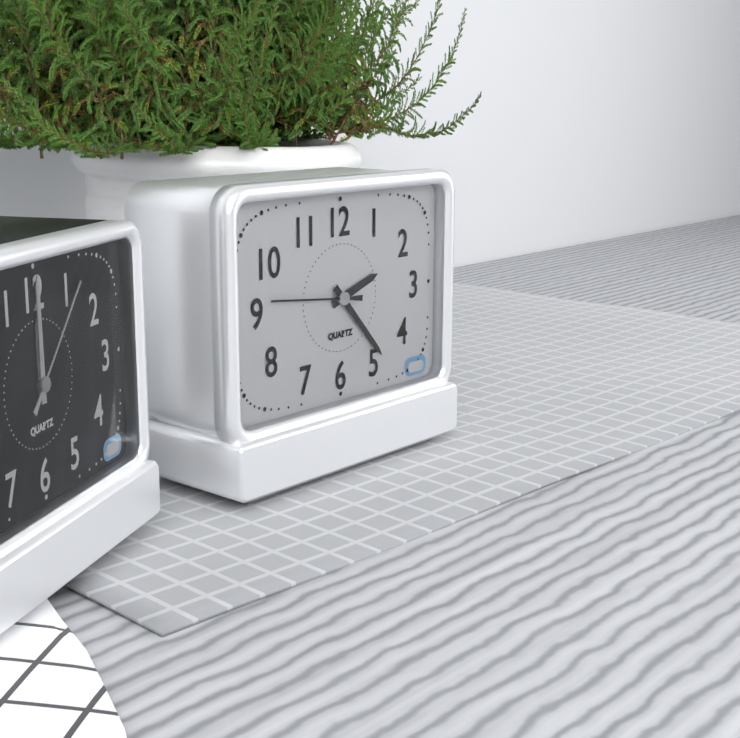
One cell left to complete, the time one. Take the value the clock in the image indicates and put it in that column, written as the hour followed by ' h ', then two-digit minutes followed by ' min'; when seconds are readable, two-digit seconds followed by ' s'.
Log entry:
2 h 23 min 46 s
